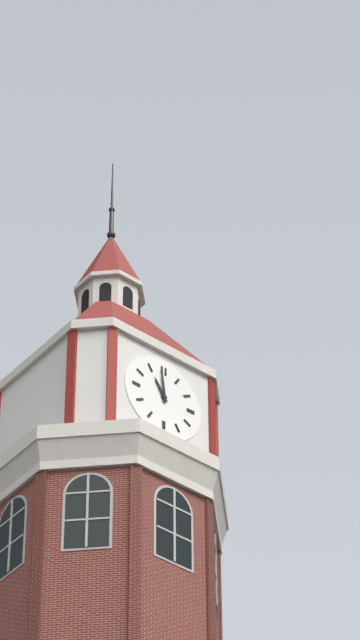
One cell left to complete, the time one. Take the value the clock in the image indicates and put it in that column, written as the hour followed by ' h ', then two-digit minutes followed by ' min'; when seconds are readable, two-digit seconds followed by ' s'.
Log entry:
10 h 59 min
